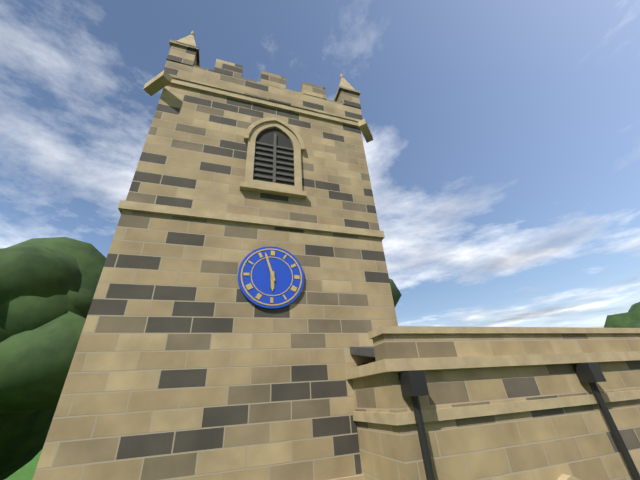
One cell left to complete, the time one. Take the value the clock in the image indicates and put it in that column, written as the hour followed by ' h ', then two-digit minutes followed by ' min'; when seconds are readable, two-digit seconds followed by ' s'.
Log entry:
5 h 57 min
